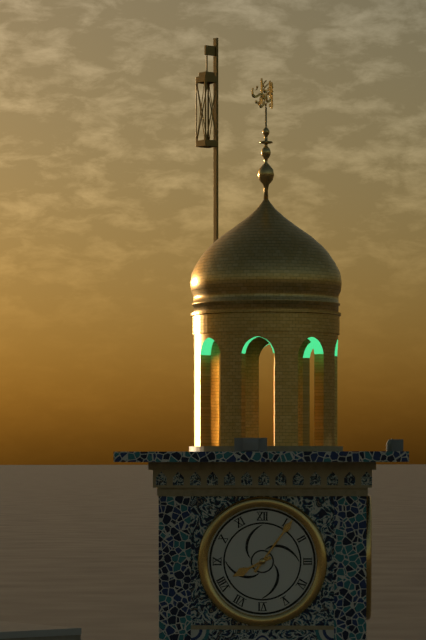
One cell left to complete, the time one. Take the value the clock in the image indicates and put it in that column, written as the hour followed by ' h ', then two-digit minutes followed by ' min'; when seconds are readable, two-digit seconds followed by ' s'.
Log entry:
8 h 06 min
